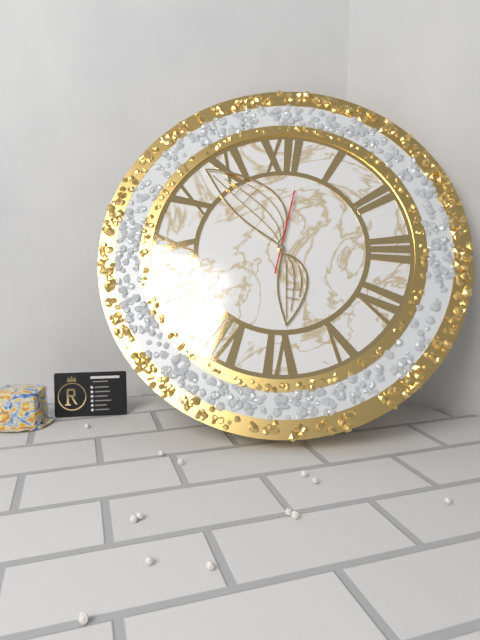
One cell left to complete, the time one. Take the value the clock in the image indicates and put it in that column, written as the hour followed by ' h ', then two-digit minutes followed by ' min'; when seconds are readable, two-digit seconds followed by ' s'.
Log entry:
5 h 53 min 02 s
